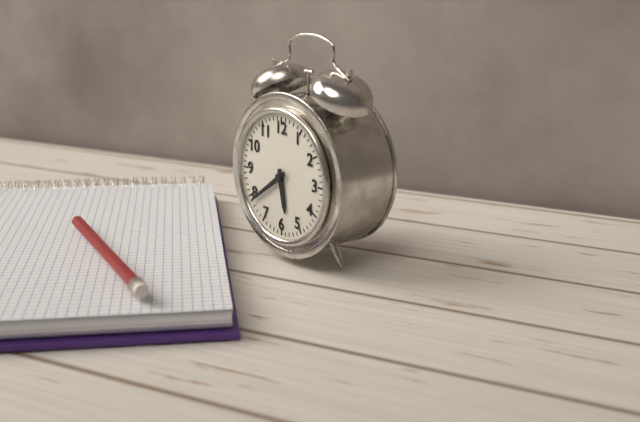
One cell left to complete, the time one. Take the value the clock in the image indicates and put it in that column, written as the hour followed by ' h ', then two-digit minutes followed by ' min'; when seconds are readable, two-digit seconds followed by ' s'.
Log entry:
5 h 39 min
